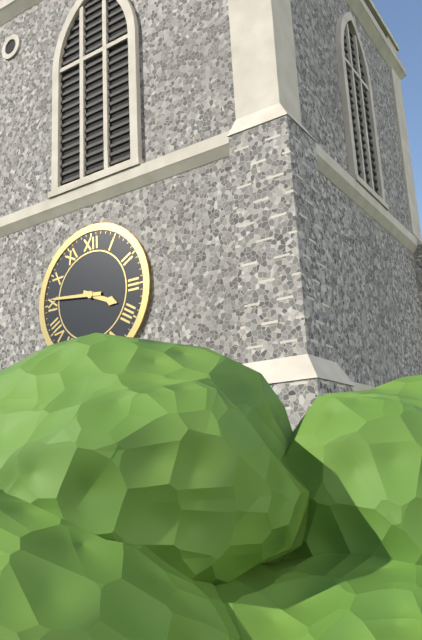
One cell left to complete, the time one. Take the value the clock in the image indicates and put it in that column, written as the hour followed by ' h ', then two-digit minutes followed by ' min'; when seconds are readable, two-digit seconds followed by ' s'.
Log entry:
3 h 46 min
